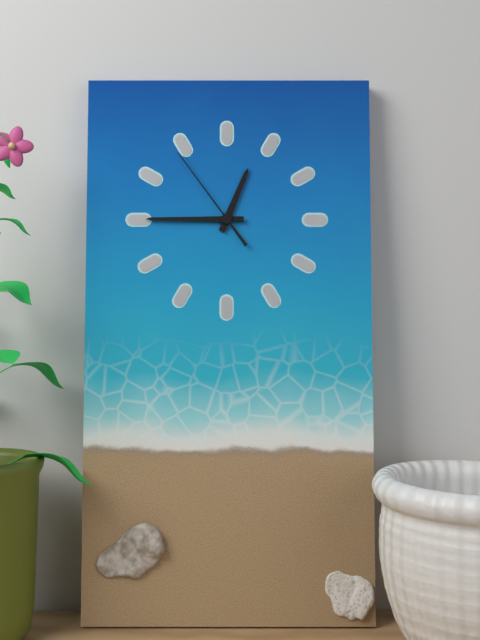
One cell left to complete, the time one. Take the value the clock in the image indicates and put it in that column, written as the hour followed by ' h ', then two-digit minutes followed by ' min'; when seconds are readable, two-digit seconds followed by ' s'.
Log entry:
12 h 45 min 54 s
